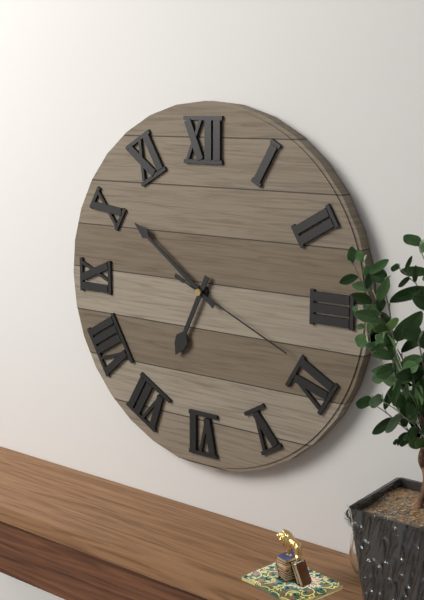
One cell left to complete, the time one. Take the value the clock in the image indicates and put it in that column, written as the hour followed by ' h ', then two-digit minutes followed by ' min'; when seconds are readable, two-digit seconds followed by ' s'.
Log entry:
6 h 51 min 19 s
